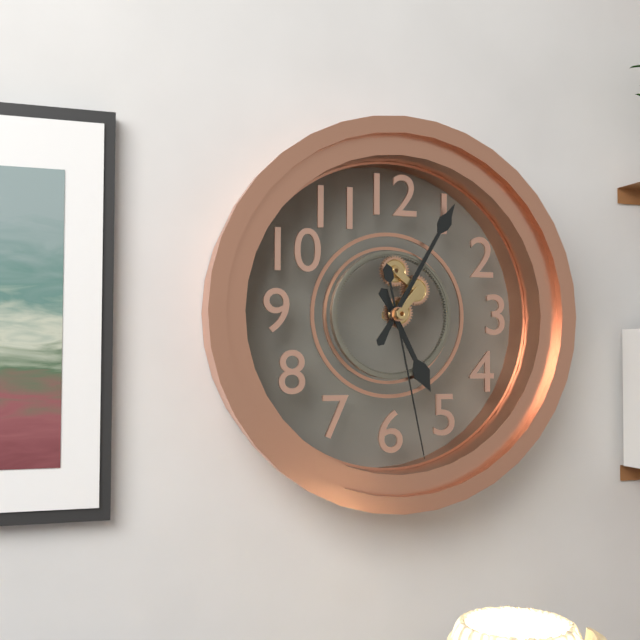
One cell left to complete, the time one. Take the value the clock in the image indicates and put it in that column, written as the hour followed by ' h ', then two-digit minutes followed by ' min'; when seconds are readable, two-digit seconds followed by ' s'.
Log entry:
5 h 05 min 28 s
